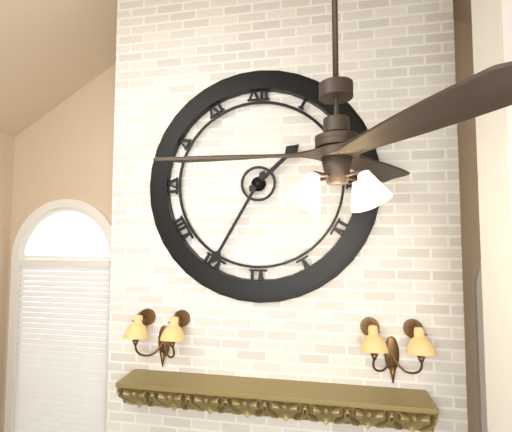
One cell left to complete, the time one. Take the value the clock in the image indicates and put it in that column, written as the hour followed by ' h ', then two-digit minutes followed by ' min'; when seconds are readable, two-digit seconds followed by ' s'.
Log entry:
1 h 35 min
